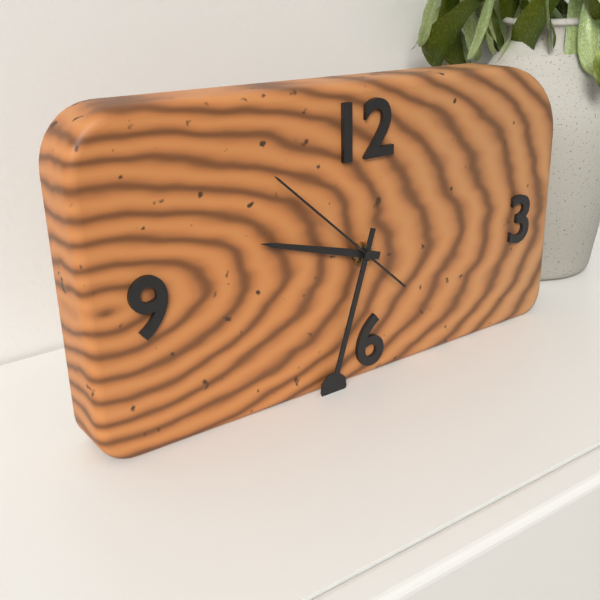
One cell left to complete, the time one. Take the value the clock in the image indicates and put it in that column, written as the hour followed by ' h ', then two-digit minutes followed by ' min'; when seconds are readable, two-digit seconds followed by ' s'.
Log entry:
9 h 33 min 52 s
